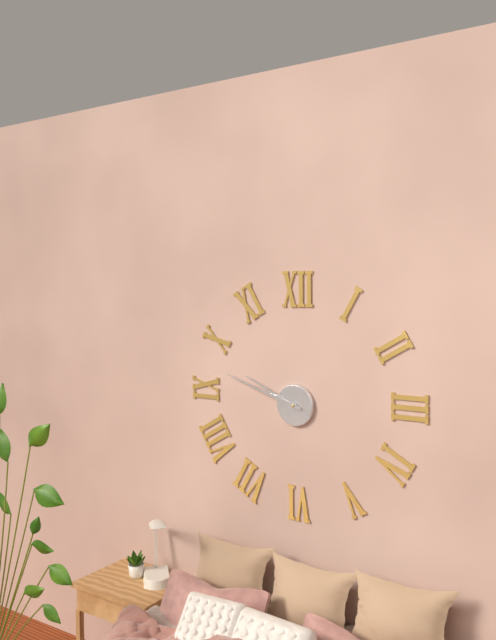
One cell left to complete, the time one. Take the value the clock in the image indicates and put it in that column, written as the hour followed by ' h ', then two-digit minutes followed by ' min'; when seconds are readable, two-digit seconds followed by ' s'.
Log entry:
9 h 48 min
